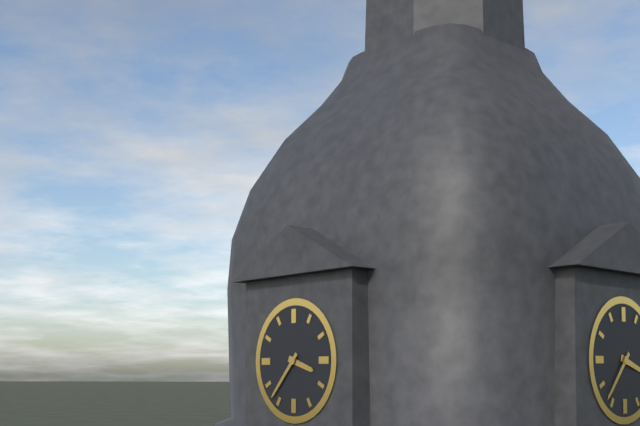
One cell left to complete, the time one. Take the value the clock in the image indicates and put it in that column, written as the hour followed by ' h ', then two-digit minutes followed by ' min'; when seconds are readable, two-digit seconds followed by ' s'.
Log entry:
3 h 37 min
